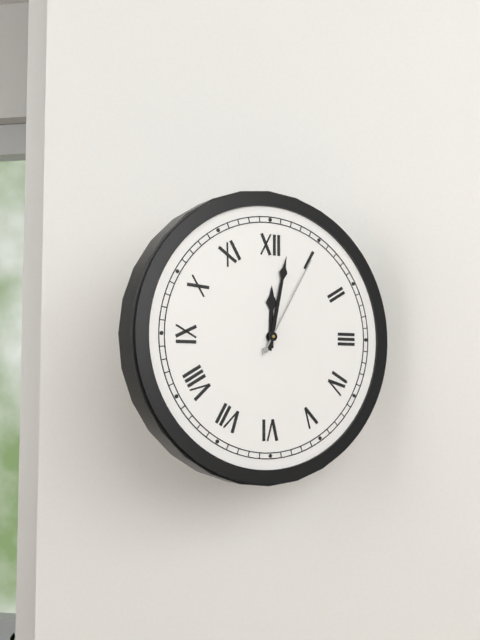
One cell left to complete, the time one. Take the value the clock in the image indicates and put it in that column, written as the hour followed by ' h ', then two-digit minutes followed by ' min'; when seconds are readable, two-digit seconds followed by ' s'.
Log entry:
12 h 02 min 05 s
